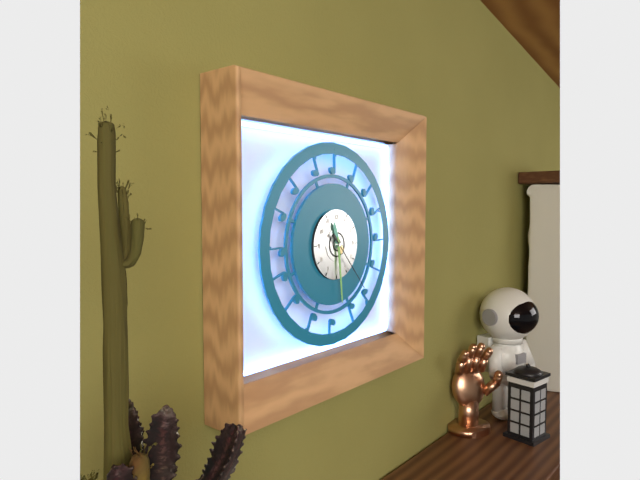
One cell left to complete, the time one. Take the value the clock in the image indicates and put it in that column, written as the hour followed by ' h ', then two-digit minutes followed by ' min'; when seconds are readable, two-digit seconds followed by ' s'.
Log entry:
11 h 29 min 23 s
